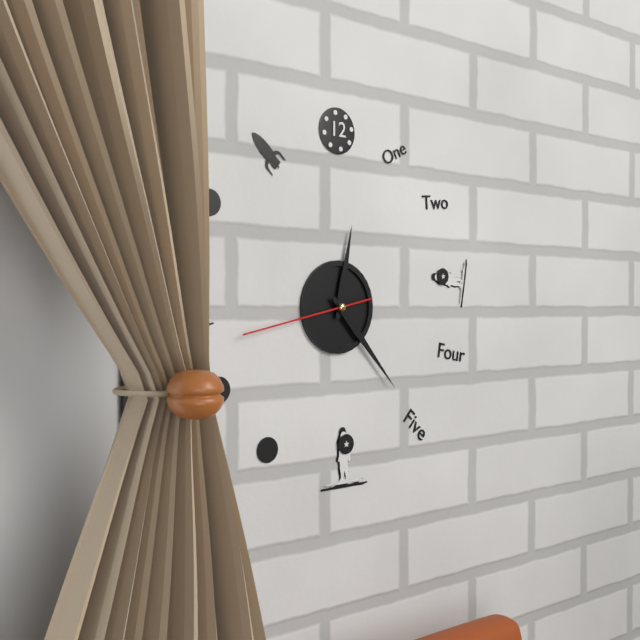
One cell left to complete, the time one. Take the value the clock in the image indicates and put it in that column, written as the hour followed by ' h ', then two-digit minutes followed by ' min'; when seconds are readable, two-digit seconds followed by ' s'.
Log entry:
12 h 23 min 43 s
